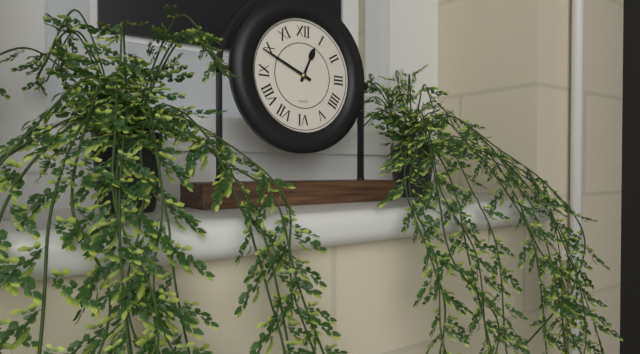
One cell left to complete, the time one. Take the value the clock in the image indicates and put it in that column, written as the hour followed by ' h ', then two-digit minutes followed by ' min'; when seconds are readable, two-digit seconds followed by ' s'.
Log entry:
12 h 49 min
